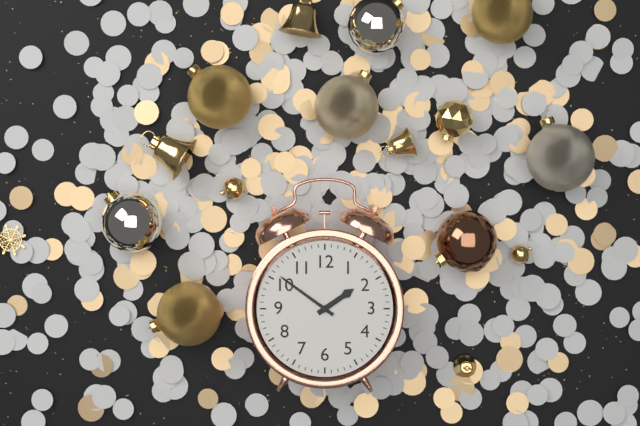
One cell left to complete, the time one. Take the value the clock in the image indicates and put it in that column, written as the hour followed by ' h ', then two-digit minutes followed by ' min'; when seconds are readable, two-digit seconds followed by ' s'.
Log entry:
1 h 51 min
